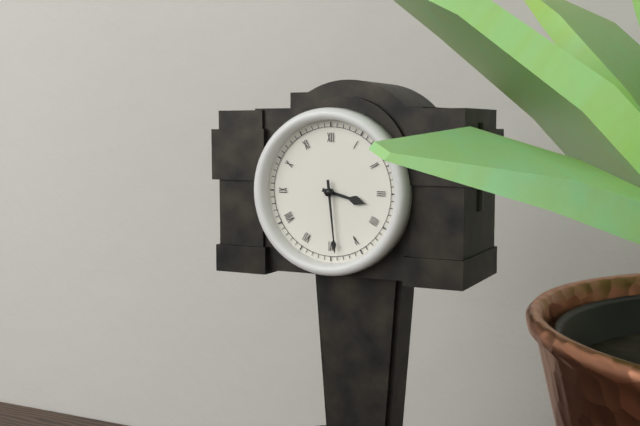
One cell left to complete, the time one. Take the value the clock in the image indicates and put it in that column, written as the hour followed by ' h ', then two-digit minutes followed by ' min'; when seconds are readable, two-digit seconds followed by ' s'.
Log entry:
3 h 29 min
